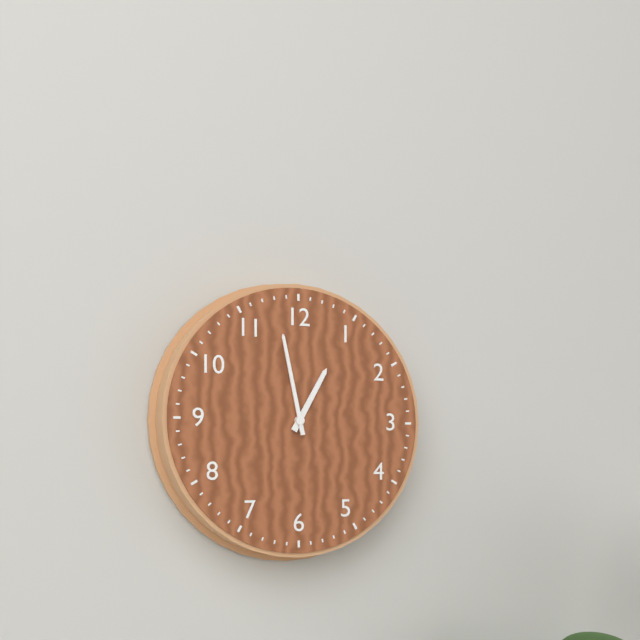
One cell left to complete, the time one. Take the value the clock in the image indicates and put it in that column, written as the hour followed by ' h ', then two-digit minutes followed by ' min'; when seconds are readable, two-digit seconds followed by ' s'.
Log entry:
12 h 58 min
